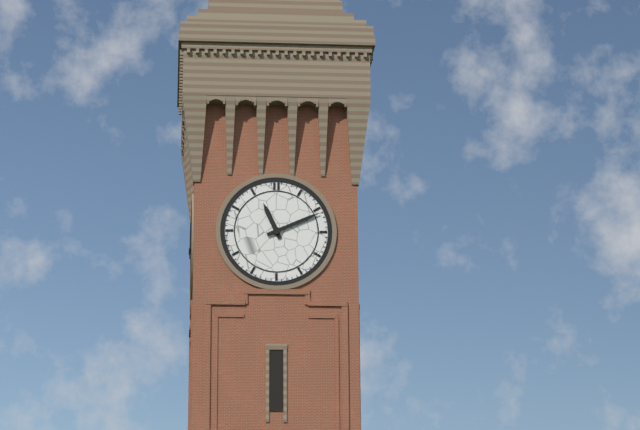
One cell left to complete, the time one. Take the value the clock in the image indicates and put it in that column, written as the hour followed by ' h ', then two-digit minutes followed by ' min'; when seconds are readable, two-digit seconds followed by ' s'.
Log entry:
11 h 11 min
